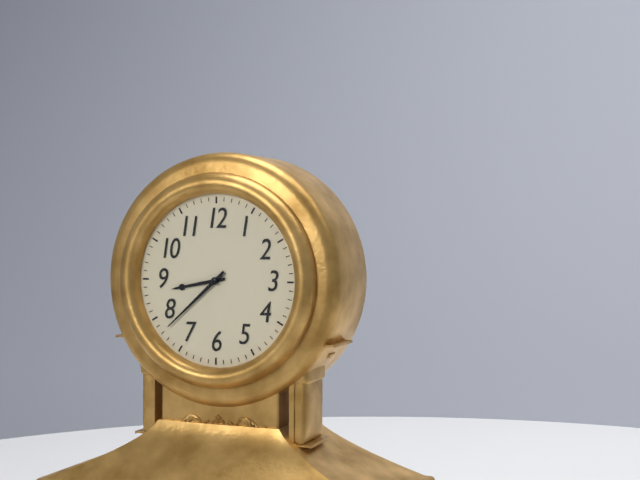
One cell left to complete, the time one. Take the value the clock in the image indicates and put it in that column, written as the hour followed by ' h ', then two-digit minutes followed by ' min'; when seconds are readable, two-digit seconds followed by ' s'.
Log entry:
8 h 38 min
